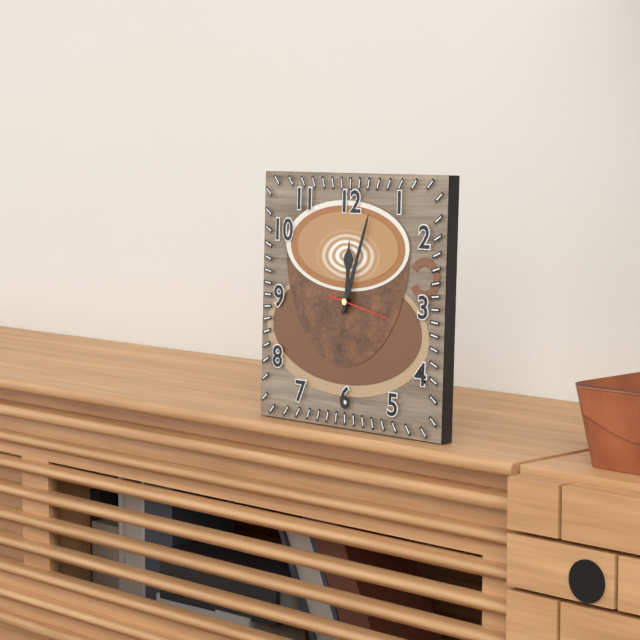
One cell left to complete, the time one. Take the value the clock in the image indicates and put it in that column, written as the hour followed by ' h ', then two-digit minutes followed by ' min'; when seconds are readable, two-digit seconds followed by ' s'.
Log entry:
12 h 03 min 17 s
